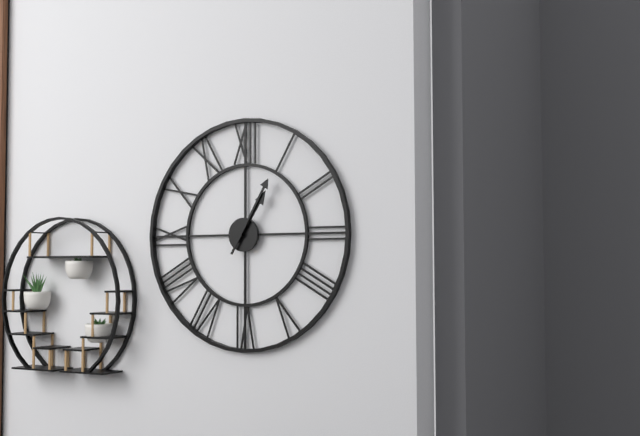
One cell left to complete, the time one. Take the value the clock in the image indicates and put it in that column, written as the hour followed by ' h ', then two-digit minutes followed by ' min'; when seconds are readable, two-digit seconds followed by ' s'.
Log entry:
1 h 05 min
